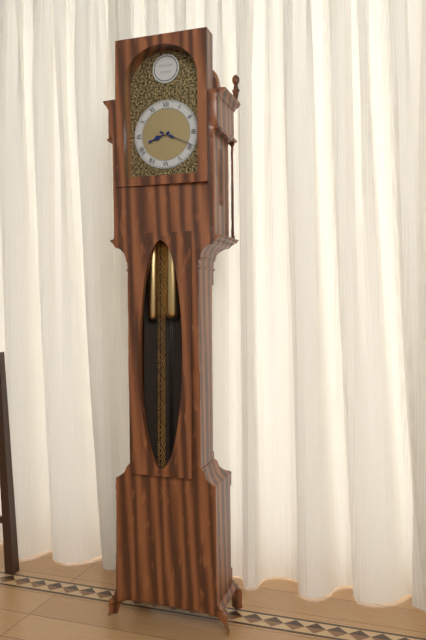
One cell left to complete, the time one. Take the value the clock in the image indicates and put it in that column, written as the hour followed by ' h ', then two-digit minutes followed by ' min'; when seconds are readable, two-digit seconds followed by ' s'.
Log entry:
8 h 19 min
